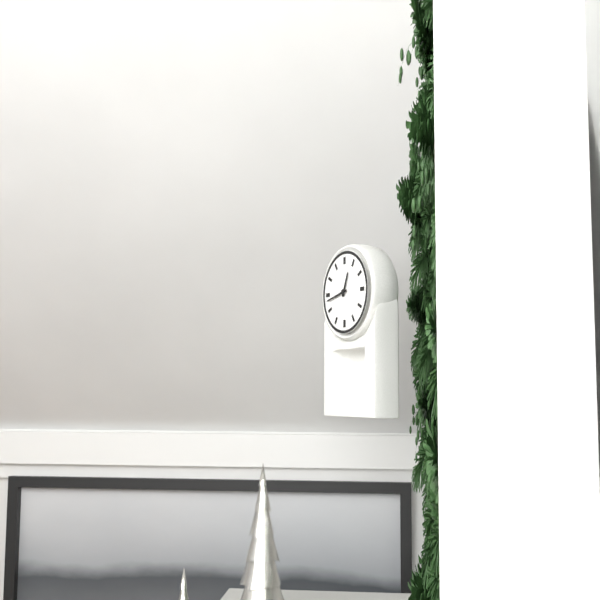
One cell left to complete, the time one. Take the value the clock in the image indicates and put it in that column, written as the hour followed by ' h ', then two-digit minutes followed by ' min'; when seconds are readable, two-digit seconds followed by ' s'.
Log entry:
12 h 43 min
